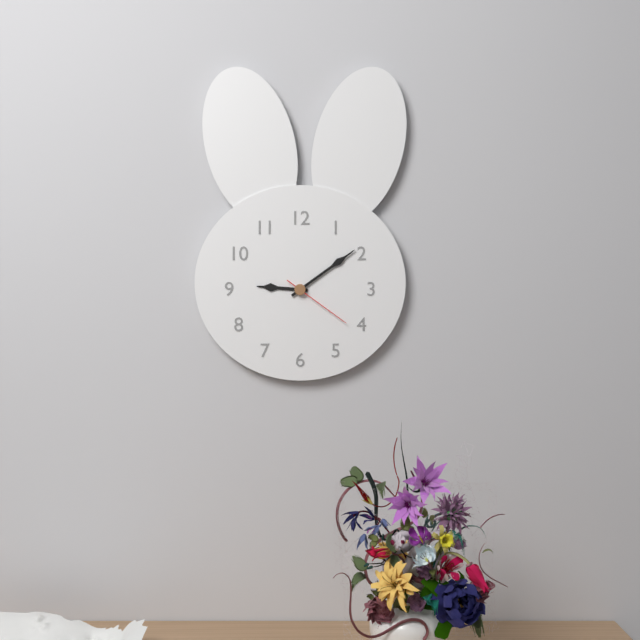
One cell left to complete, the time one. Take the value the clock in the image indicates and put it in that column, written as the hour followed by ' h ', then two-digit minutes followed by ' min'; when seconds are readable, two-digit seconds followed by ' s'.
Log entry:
9 h 09 min 21 s
